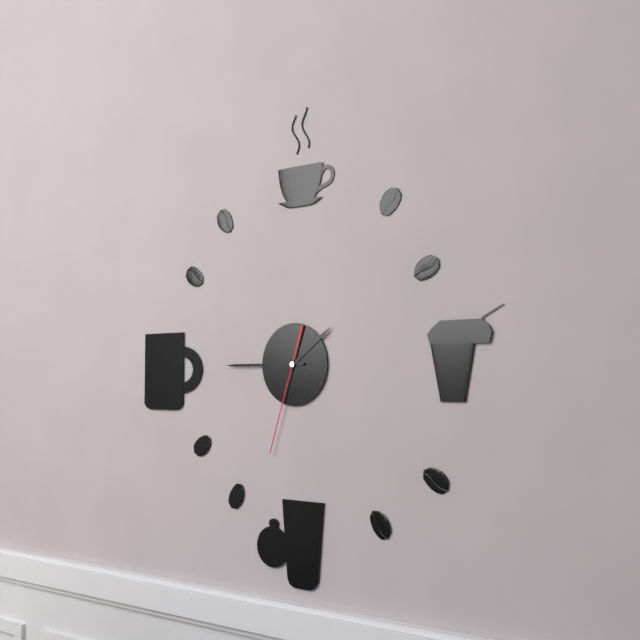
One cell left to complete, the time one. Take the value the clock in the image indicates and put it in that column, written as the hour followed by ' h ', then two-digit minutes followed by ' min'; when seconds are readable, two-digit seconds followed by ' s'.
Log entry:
1 h 45 min 33 s
